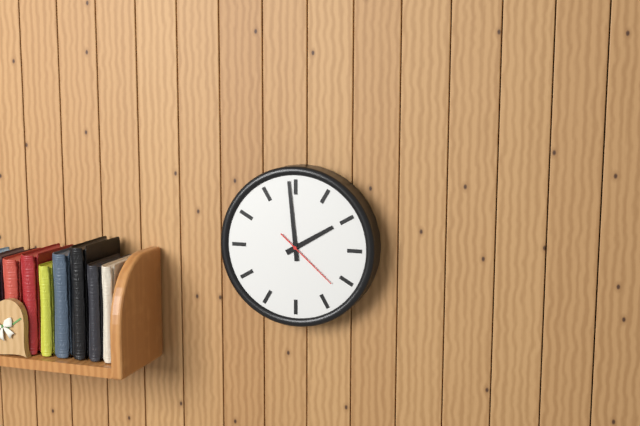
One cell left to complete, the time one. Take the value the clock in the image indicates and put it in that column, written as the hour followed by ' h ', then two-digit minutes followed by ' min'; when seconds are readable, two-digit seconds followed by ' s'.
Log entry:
1 h 59 min 22 s
